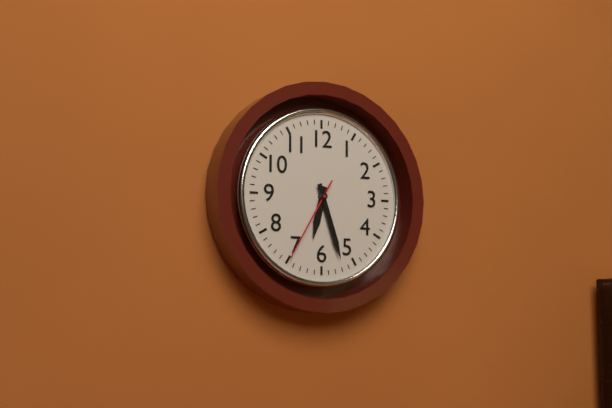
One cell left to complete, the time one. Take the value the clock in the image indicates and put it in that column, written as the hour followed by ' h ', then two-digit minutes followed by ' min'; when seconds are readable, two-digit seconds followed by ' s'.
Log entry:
6 h 27 min 35 s
